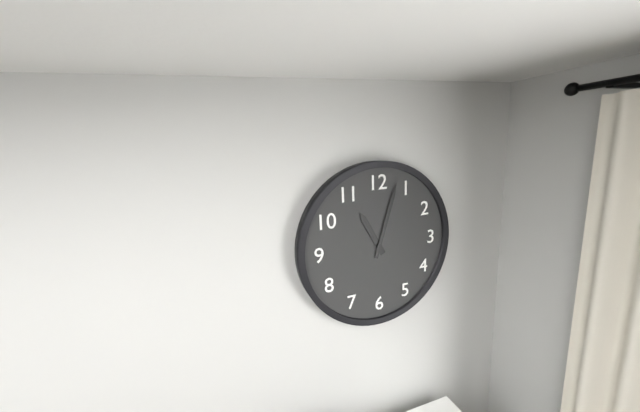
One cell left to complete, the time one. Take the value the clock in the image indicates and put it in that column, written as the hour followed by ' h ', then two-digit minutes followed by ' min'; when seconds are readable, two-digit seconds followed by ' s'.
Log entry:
11 h 03 min
